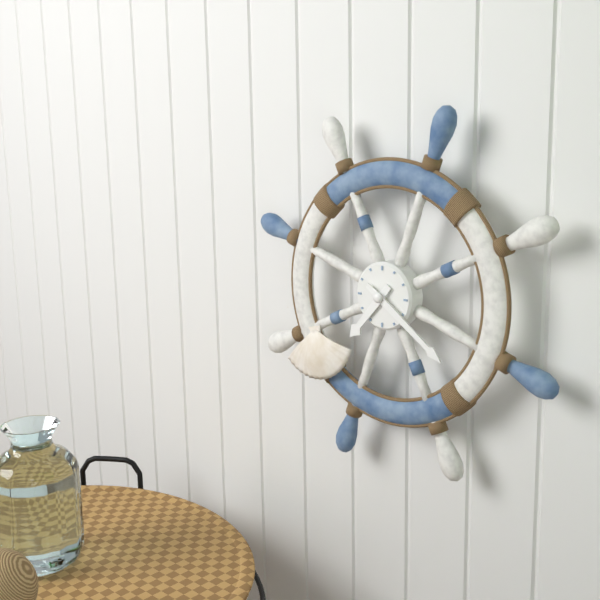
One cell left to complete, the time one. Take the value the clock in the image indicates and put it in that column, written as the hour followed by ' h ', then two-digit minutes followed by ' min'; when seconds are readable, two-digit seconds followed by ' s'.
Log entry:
7 h 21 min
